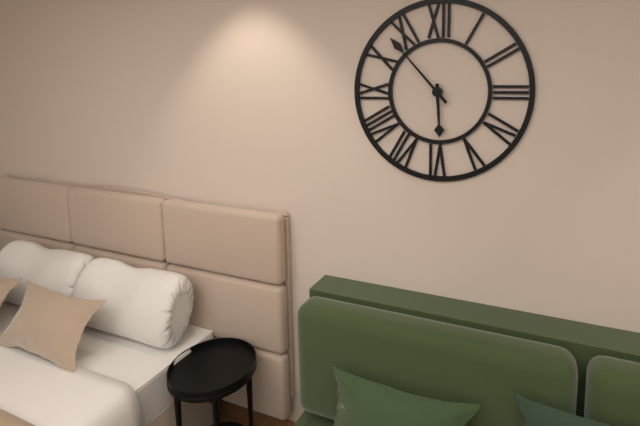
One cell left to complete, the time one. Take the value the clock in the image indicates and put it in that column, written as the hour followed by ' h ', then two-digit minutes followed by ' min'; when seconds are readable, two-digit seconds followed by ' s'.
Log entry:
5 h 53 min
